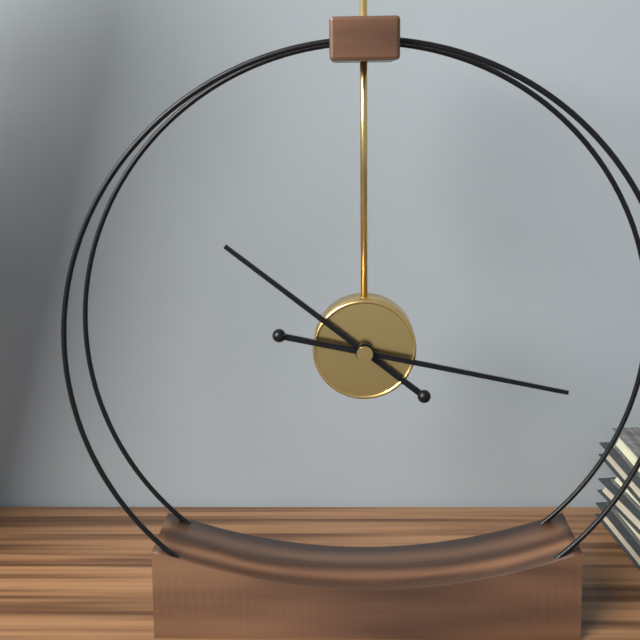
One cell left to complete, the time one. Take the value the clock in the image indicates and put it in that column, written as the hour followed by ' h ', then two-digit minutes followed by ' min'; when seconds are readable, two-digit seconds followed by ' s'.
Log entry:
10 h 17 min
